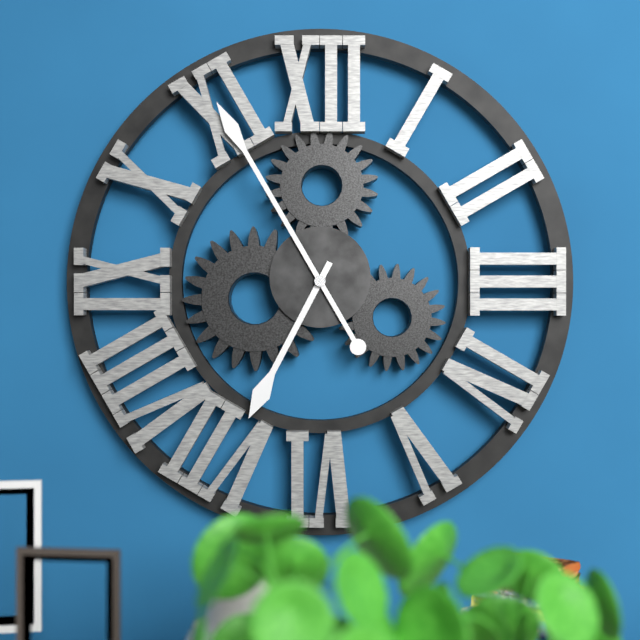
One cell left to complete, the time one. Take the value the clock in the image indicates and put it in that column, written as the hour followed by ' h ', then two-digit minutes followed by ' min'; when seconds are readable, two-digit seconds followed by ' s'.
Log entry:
6 h 55 min
